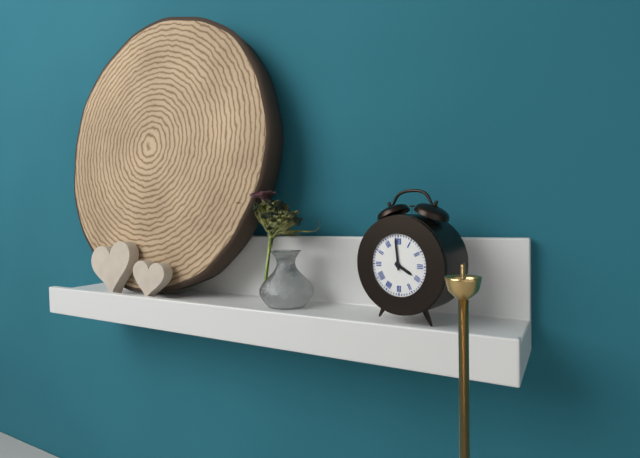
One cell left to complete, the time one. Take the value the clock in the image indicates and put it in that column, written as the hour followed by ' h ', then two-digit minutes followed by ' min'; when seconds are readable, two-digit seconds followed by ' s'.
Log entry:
3 h 59 min
